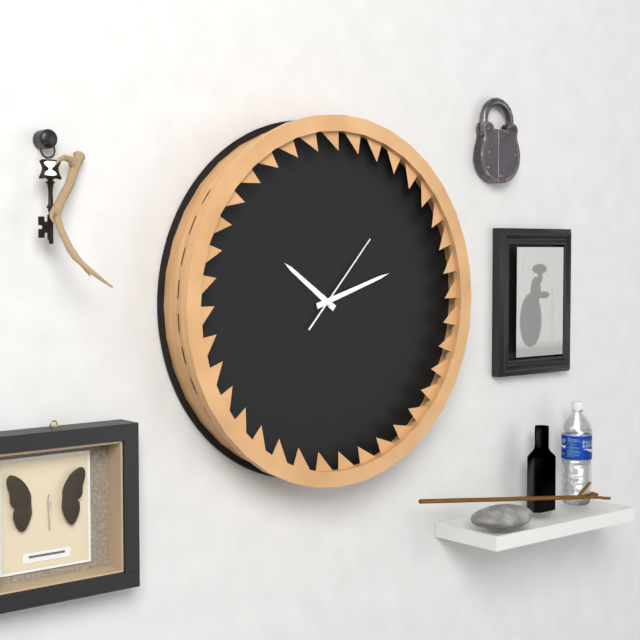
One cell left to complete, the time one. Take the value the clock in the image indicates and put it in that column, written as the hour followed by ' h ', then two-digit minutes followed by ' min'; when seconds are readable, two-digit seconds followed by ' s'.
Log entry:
10 h 12 min 07 s
